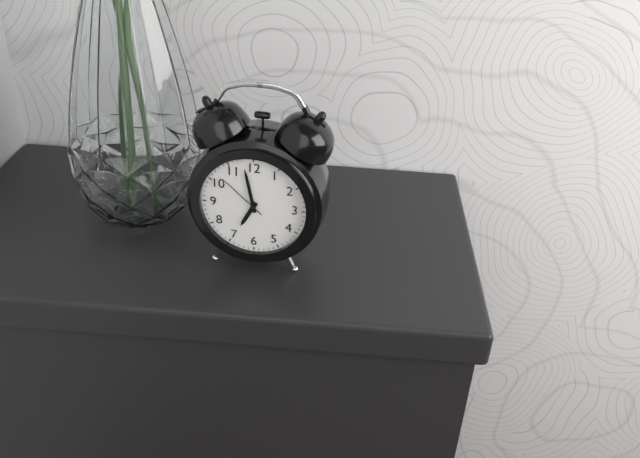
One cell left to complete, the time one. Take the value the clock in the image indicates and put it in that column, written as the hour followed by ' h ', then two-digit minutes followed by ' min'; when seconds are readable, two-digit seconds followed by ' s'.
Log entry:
6 h 58 min 52 s
